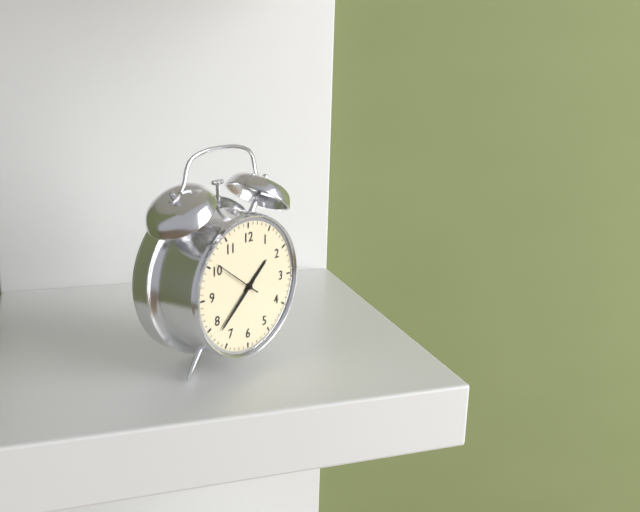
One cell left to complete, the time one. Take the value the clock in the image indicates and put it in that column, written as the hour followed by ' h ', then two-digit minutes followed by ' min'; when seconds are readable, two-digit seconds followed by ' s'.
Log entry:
1 h 38 min
